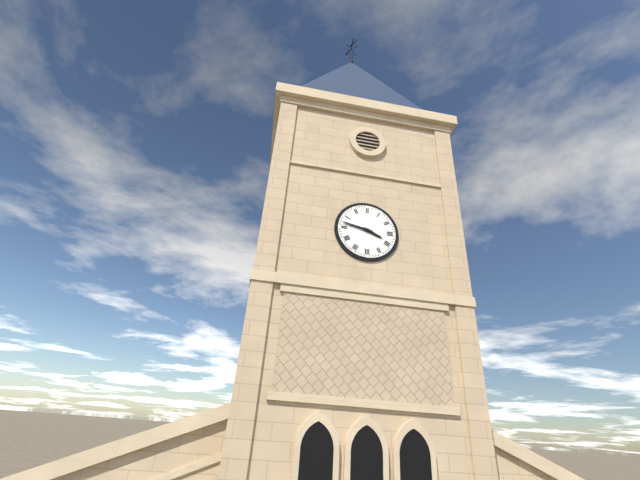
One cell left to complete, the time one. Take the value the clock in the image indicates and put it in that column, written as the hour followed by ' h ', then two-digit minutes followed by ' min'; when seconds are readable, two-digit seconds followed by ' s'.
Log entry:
3 h 47 min
